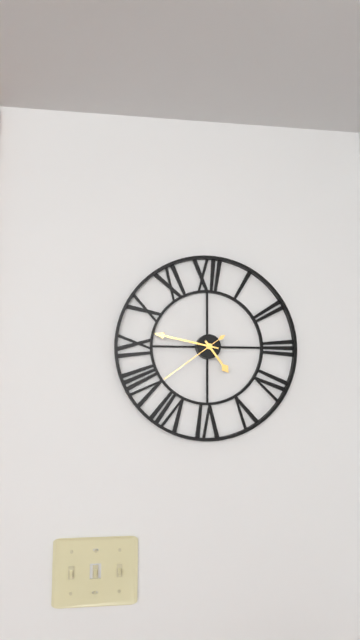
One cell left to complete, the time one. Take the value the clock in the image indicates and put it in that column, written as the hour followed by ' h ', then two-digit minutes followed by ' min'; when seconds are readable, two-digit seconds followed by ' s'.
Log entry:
4 h 47 min 39 s
